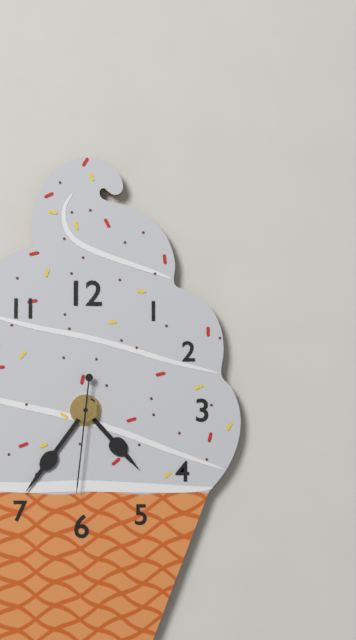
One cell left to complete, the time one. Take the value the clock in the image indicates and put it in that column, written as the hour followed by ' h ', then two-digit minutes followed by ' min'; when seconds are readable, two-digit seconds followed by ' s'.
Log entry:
4 h 36 min 31 s
